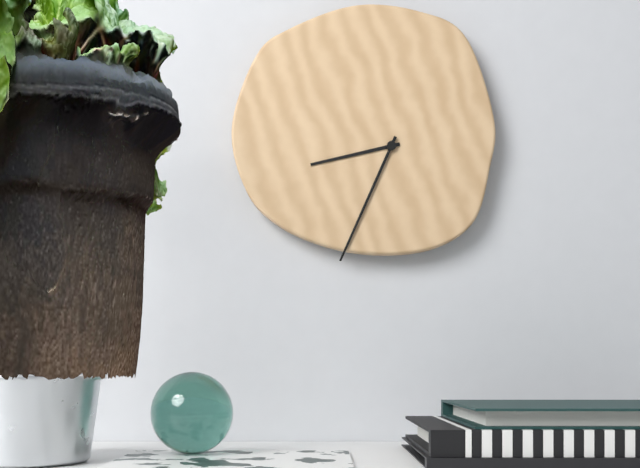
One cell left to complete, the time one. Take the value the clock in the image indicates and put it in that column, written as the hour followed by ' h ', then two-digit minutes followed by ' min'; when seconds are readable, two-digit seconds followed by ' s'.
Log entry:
8 h 34 min
